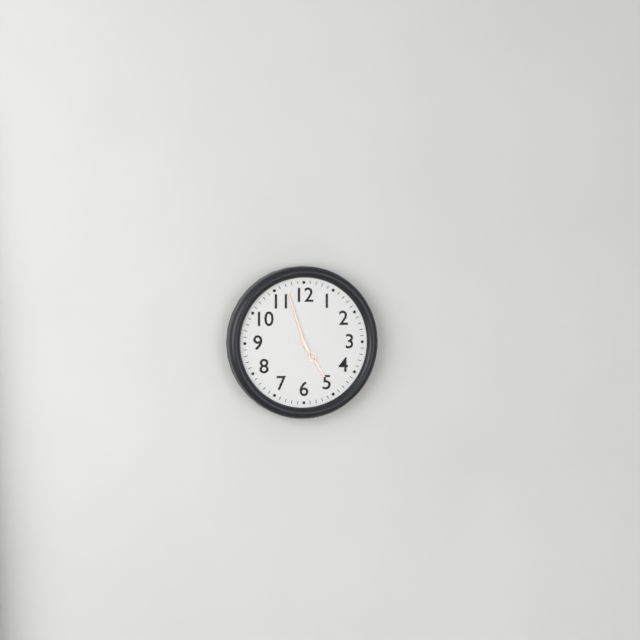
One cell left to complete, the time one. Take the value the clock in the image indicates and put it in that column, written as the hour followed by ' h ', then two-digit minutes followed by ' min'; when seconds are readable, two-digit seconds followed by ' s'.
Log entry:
4 h 57 min
